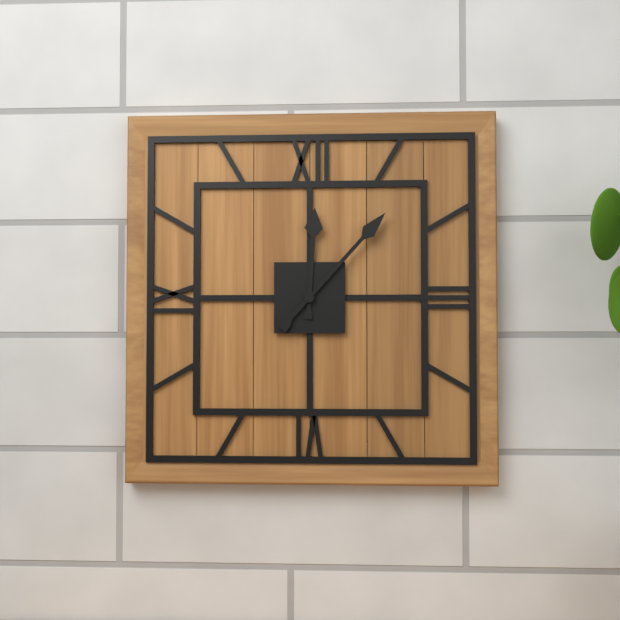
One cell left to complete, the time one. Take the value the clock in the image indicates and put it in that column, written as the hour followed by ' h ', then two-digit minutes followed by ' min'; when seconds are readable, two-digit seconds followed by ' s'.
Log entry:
12 h 07 min
